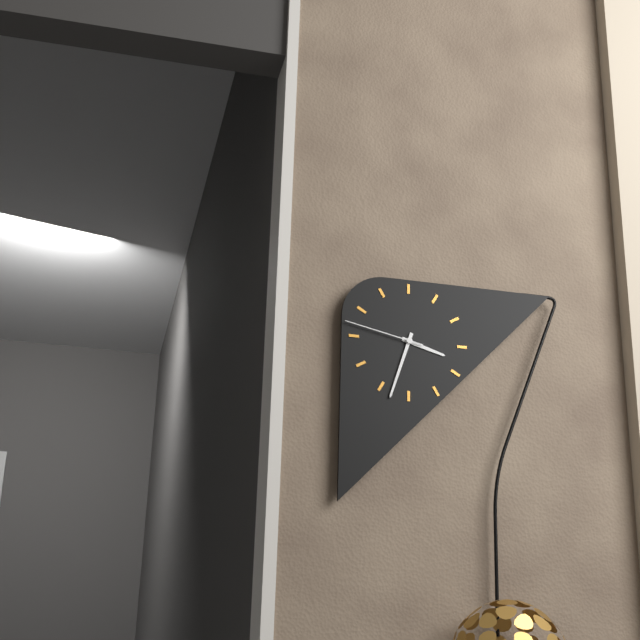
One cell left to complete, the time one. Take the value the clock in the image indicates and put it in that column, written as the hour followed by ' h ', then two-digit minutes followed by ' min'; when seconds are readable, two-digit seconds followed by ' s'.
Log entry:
3 h 33 min 47 s
